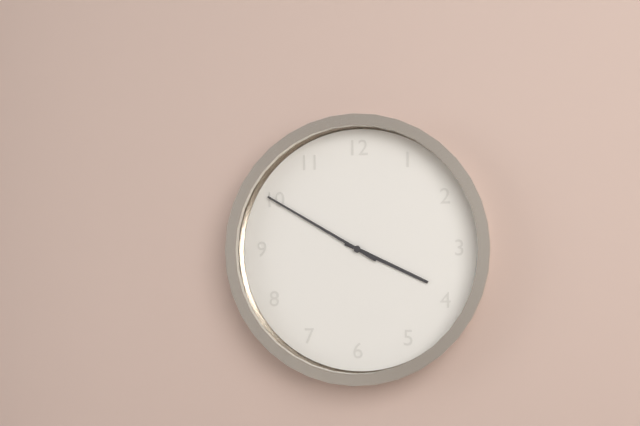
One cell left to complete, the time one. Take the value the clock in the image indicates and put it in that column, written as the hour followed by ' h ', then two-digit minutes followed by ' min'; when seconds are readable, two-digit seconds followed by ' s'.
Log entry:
3 h 50 min
